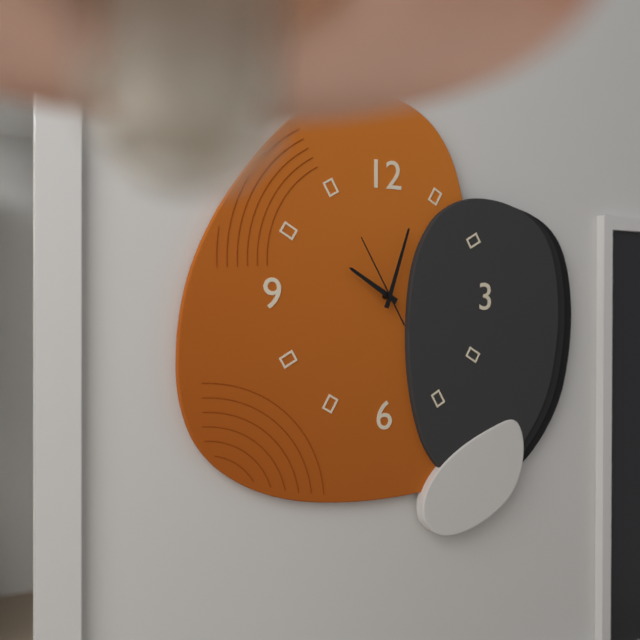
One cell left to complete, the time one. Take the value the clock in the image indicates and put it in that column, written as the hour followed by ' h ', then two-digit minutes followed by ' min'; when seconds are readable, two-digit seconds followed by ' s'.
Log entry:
10 h 03 min 55 s
